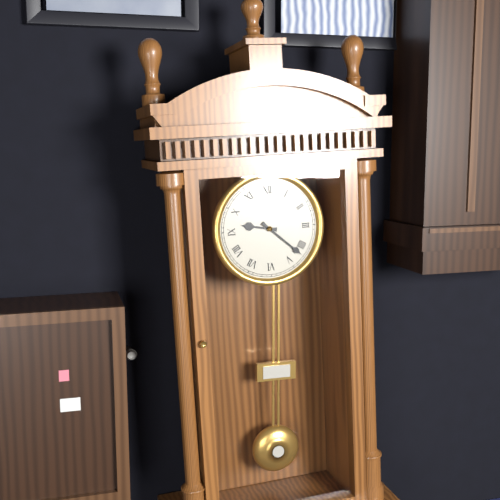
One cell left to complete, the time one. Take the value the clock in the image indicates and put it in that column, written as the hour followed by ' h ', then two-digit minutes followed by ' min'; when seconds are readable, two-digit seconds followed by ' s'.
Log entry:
9 h 22 min
